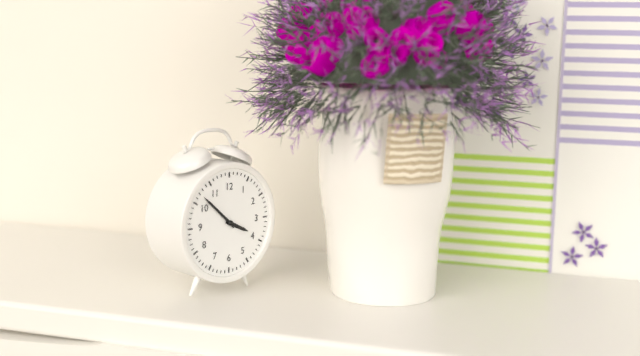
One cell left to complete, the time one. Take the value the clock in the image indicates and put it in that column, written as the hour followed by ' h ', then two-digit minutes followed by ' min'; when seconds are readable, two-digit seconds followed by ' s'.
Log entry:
3 h 52 min
